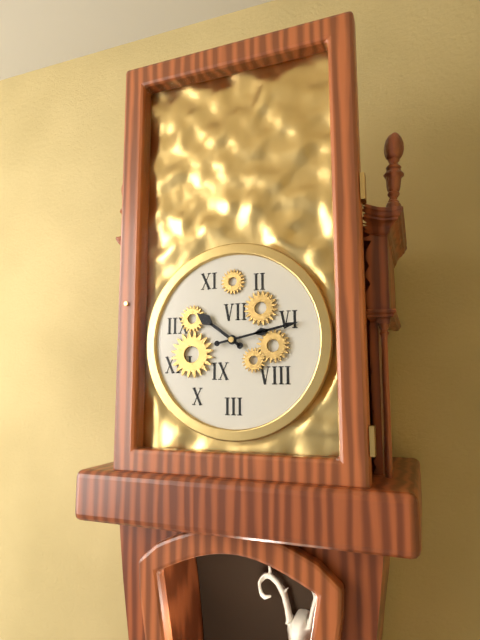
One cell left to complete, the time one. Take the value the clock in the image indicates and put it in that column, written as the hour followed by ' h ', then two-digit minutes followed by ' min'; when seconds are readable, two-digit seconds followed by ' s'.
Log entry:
10 h 13 min
